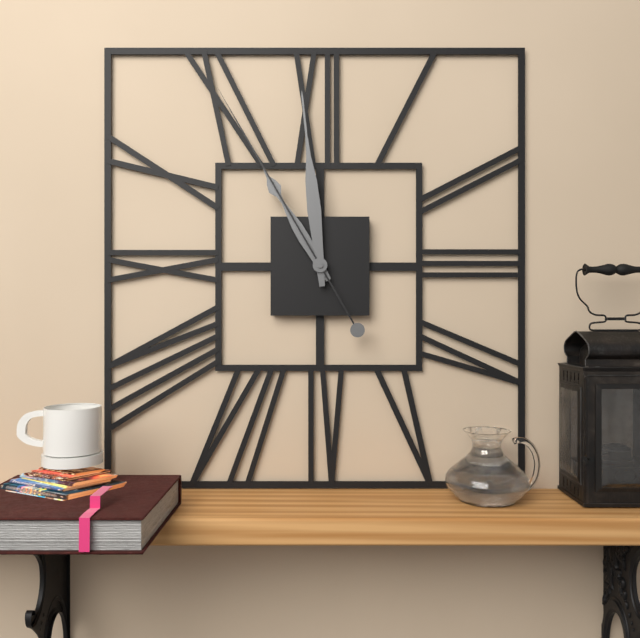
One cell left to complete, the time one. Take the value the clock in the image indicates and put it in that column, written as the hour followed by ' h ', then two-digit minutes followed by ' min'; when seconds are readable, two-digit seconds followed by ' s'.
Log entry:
10 h 59 min 55 s
